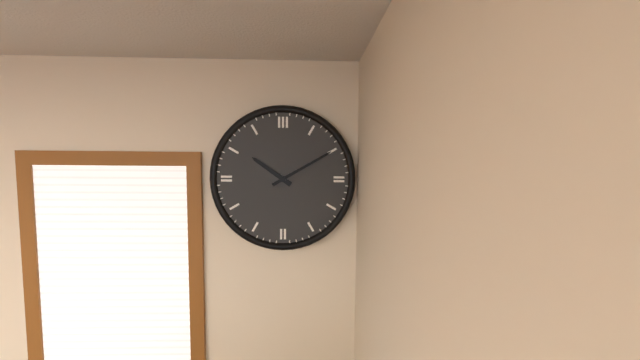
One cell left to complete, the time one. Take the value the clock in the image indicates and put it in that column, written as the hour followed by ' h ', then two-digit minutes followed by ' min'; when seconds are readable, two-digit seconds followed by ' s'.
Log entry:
10 h 10 min
